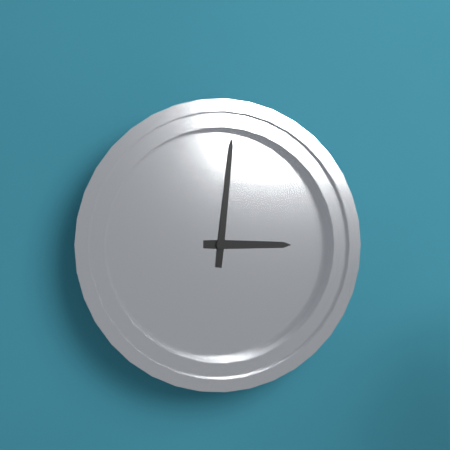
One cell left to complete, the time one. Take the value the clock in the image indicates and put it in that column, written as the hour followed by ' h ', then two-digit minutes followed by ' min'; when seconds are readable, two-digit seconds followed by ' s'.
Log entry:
3 h 01 min
